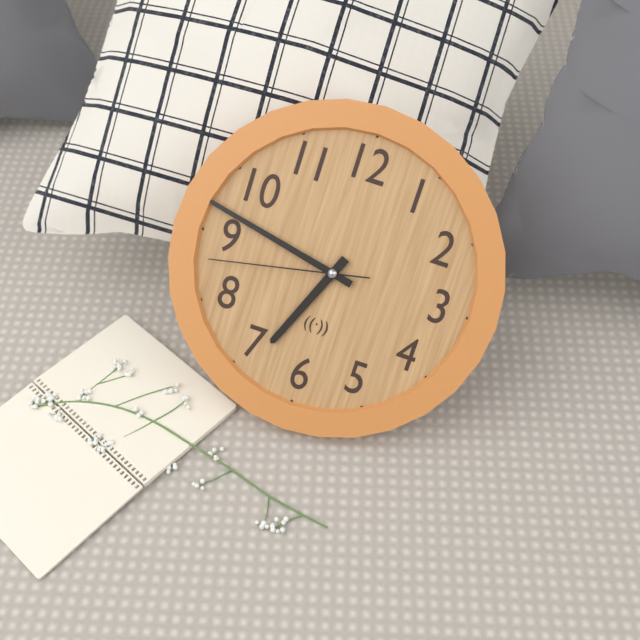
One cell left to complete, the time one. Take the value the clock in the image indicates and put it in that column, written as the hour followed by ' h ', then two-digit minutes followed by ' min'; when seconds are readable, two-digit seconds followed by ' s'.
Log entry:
6 h 47 min 43 s
